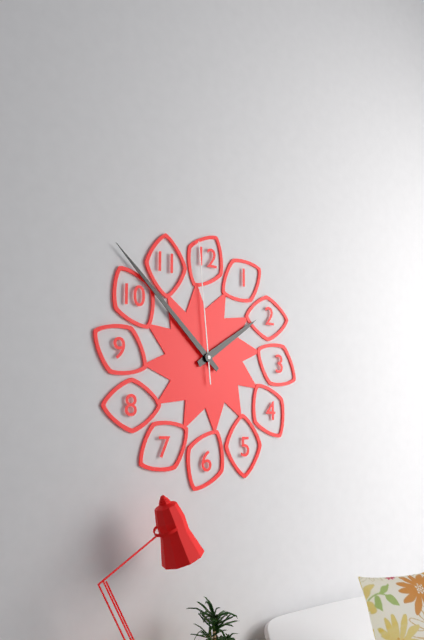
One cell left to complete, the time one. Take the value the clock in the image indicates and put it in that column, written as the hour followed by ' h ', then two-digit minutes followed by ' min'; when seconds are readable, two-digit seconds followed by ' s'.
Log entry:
1 h 52 min 59 s
